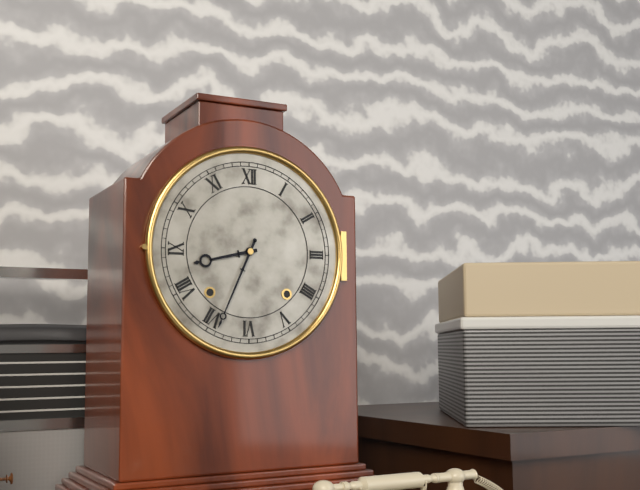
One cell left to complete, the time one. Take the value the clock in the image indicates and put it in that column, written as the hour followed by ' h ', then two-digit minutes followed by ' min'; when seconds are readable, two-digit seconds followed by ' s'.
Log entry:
8 h 34 min
